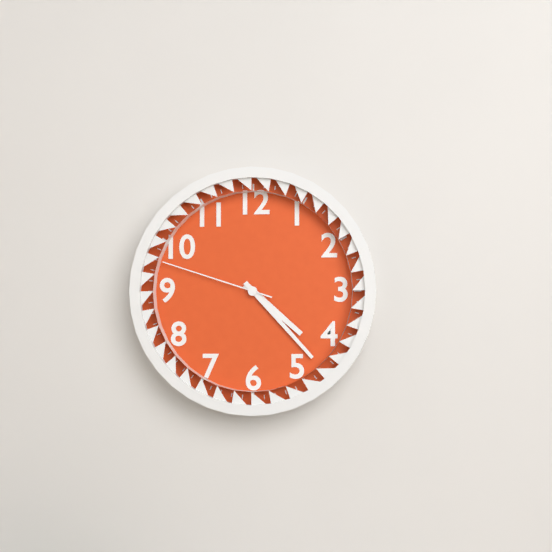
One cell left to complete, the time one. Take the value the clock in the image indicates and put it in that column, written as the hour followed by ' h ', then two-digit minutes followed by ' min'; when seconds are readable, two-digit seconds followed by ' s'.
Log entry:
4 h 23 min 48 s
